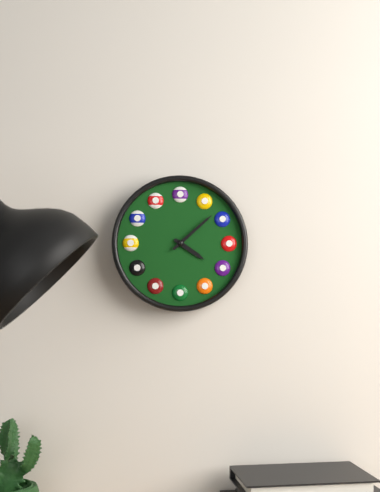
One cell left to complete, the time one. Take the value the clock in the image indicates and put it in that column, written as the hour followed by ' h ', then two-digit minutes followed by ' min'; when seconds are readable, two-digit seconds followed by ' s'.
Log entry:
4 h 08 min
